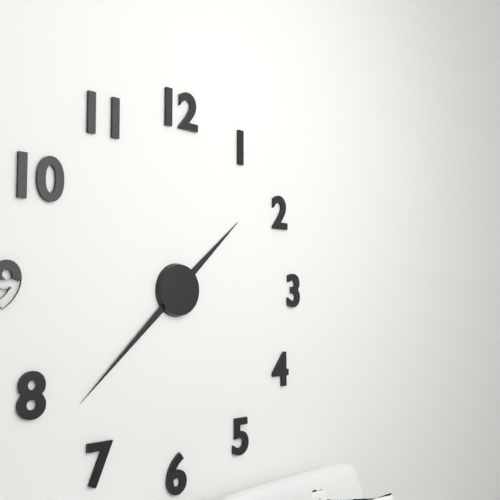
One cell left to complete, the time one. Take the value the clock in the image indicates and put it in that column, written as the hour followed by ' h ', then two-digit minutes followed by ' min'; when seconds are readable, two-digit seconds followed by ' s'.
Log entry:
1 h 38 min
